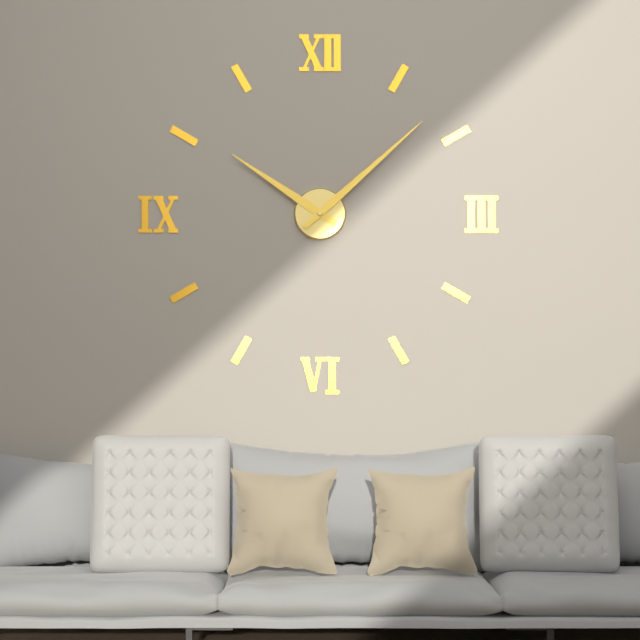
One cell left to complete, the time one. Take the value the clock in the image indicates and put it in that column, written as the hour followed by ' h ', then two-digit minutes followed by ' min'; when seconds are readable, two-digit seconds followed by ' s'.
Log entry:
10 h 08 min
